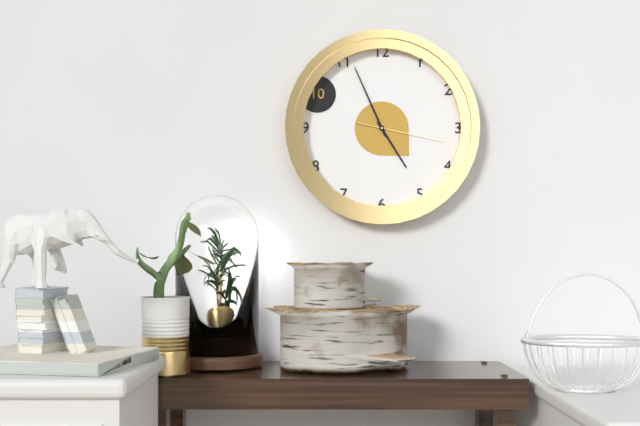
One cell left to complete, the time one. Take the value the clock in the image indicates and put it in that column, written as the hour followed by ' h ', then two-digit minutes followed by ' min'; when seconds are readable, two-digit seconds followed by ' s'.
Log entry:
4 h 56 min 17 s
